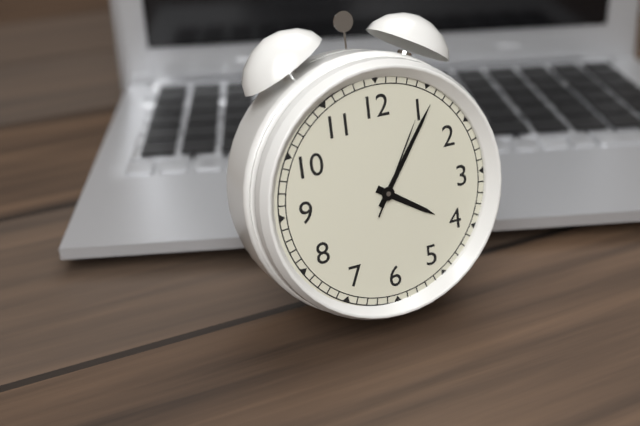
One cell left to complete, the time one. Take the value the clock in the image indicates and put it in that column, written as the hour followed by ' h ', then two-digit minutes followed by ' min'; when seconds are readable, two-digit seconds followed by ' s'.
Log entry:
4 h 06 min 05 s
